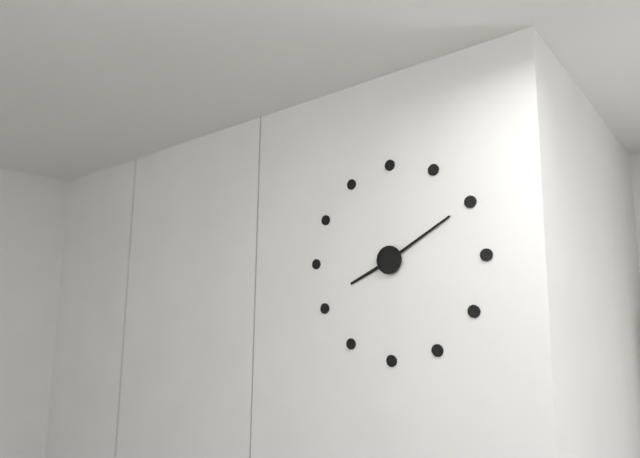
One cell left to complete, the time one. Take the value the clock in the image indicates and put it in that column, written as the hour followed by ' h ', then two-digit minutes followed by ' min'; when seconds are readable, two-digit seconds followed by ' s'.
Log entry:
8 h 10 min
